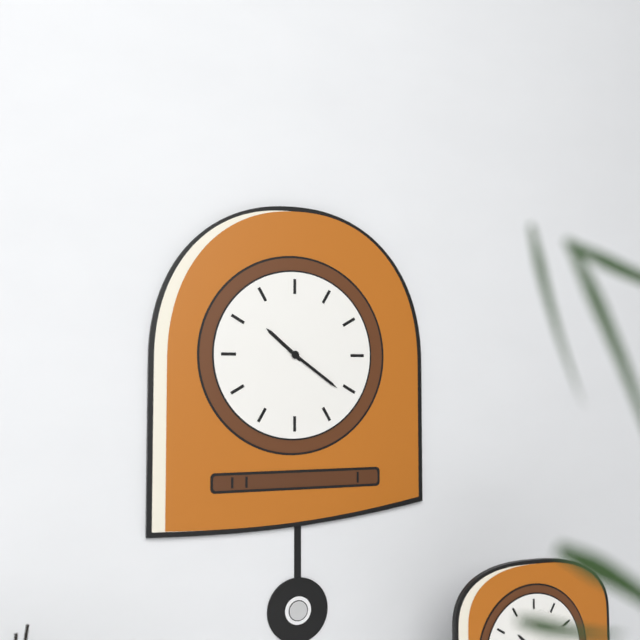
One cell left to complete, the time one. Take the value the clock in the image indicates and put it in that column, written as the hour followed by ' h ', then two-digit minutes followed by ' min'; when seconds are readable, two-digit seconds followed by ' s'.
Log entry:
10 h 21 min
